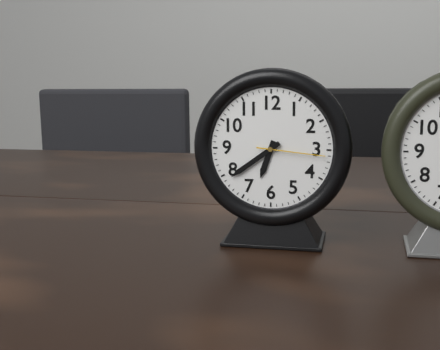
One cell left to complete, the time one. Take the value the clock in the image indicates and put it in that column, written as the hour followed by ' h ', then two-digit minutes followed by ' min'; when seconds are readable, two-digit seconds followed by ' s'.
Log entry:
6 h 39 min 16 s
